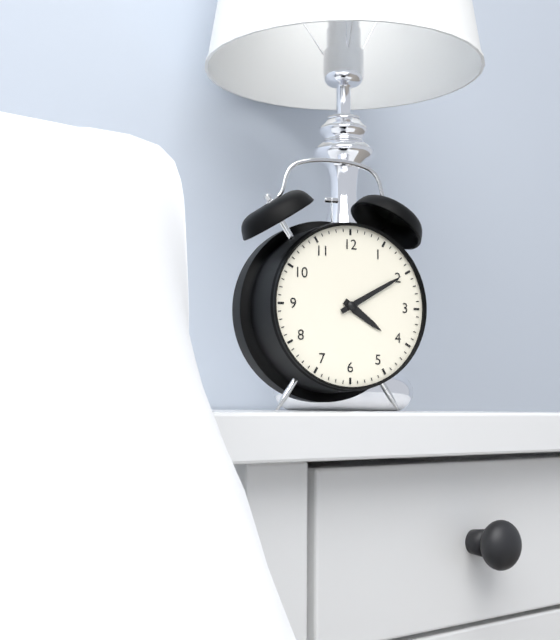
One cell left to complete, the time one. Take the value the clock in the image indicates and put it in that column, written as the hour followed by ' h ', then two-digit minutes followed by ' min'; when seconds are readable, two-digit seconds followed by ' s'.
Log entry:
4 h 10 min
